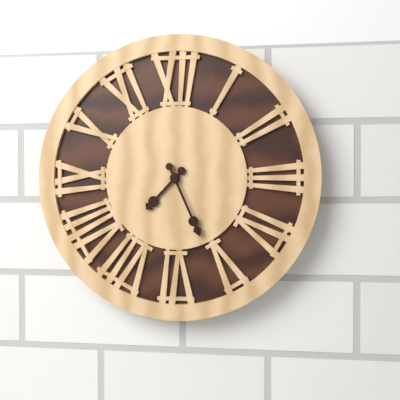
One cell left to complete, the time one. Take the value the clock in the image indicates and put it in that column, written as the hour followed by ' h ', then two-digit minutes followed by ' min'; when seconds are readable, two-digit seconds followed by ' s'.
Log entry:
7 h 26 min
